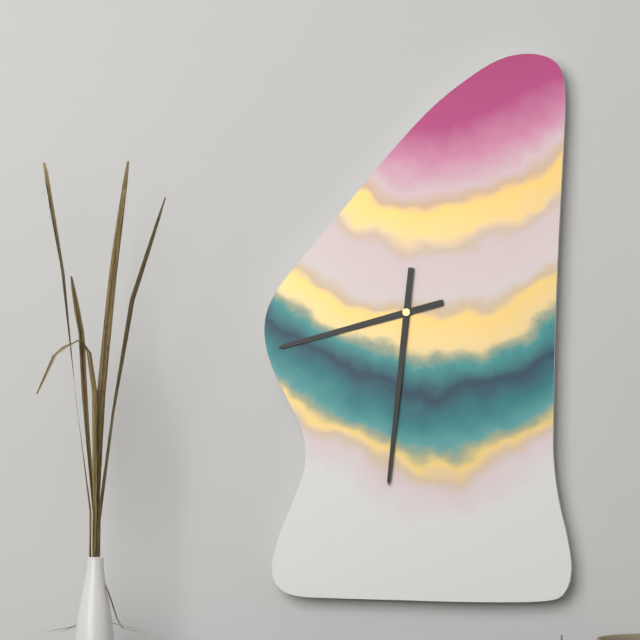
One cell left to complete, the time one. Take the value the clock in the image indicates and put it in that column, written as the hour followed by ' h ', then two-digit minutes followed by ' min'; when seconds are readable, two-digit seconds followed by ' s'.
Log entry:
8 h 31 min
